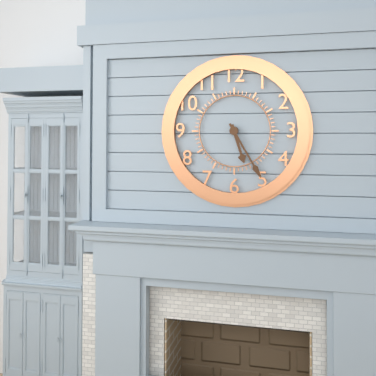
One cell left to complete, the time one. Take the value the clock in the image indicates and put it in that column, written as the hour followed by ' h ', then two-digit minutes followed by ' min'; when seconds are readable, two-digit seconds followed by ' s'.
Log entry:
5 h 25 min
